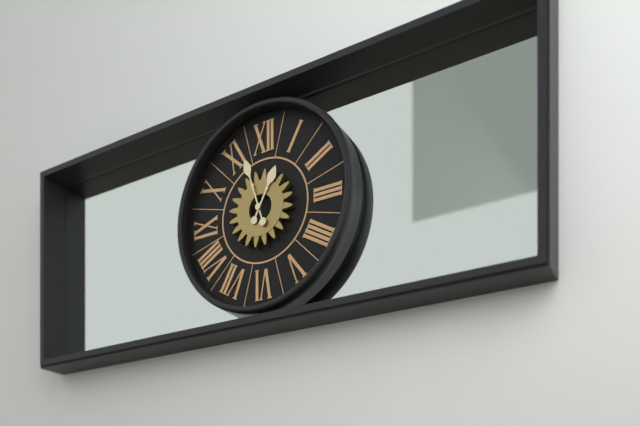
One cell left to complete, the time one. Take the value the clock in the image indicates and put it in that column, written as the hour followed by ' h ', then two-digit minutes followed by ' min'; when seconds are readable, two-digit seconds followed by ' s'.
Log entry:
12 h 57 min
